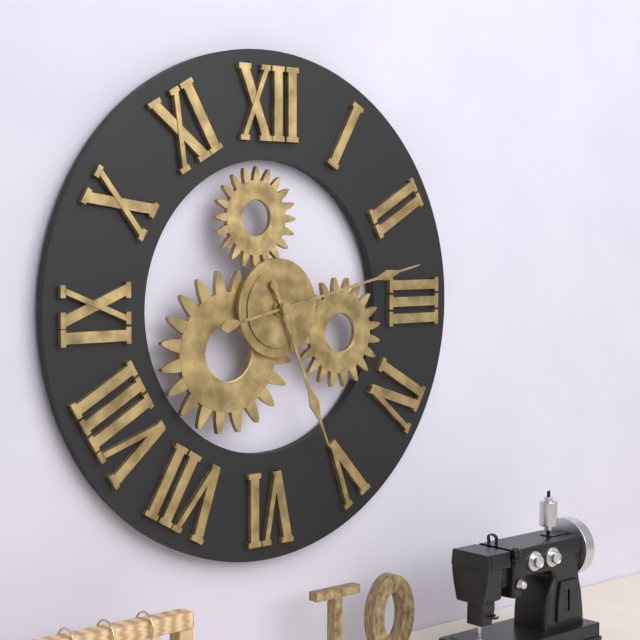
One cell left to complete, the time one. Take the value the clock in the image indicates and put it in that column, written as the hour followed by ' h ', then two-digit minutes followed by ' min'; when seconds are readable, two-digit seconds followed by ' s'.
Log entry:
5 h 13 min
